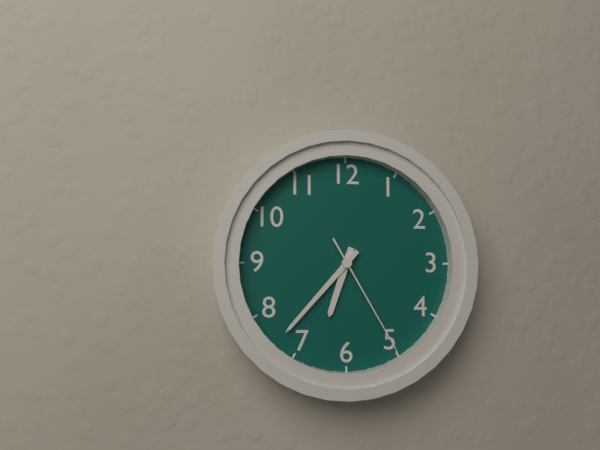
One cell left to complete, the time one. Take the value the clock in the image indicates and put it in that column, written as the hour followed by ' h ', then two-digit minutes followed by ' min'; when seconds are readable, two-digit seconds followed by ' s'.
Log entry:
6 h 37 min 25 s
